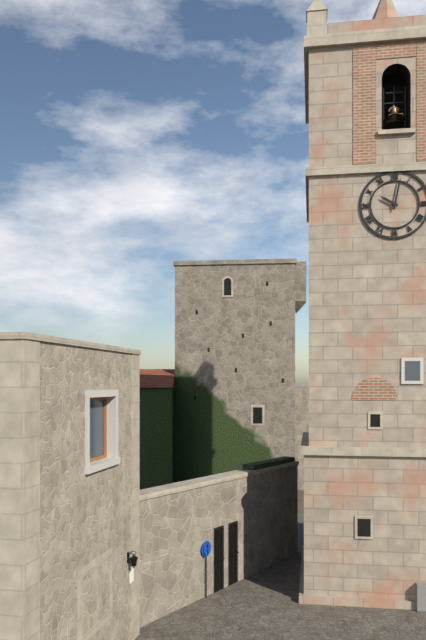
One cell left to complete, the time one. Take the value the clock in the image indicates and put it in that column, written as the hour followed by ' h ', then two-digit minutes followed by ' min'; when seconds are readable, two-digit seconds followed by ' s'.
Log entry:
10 h 02 min
